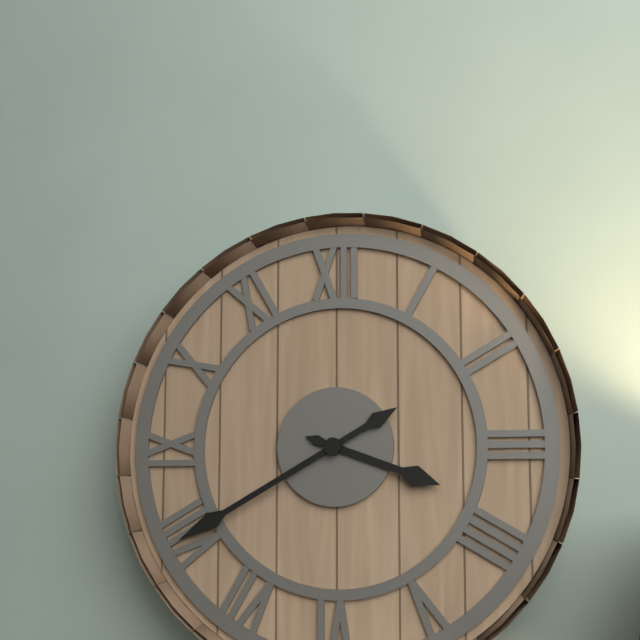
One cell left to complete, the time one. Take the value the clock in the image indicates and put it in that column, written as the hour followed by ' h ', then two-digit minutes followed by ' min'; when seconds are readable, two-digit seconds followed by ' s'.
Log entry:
3 h 40 min
